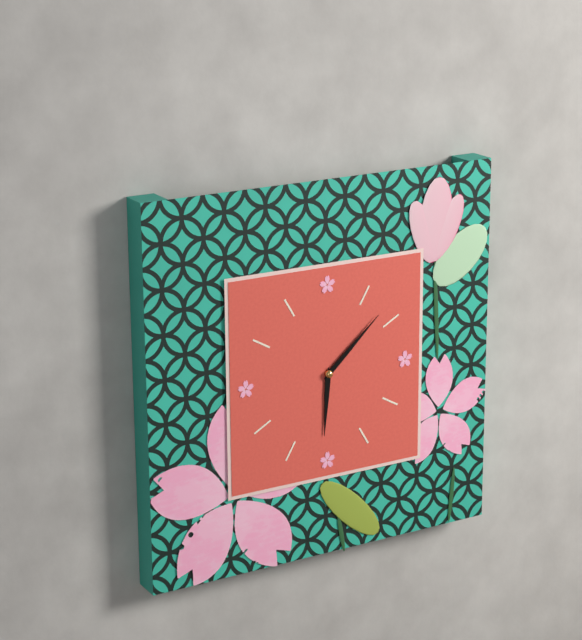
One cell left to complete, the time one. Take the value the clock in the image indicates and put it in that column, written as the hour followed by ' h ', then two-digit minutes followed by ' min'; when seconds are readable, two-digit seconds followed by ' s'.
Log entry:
6 h 08 min
